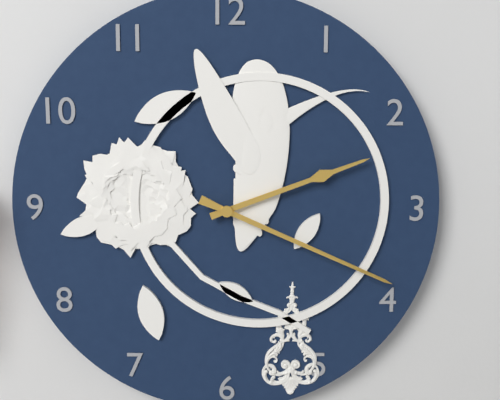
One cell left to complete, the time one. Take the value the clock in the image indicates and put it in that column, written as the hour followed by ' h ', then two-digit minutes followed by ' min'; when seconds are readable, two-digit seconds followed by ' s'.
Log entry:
2 h 19 min
